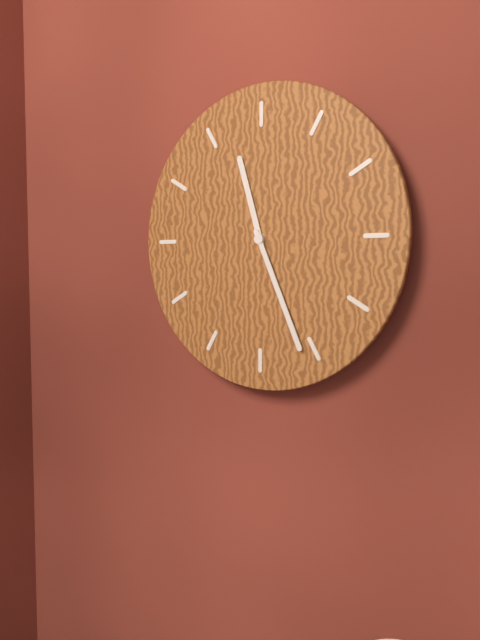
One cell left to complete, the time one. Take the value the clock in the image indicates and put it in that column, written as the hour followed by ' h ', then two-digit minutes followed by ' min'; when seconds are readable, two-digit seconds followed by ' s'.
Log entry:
11 h 26 min
